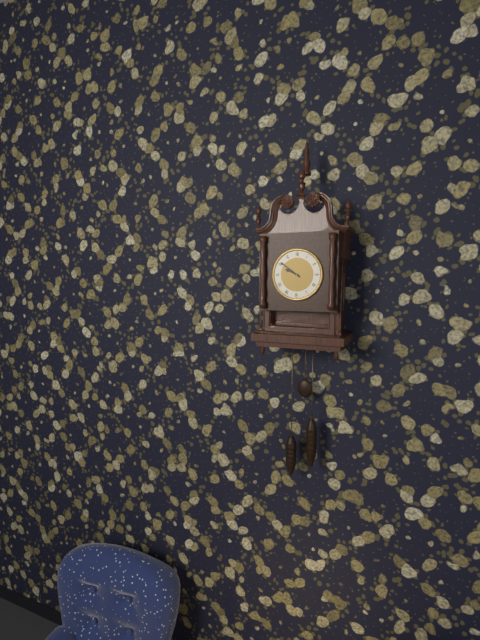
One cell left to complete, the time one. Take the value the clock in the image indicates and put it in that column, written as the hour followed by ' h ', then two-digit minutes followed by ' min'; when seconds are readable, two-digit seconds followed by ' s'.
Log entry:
9 h 51 min
